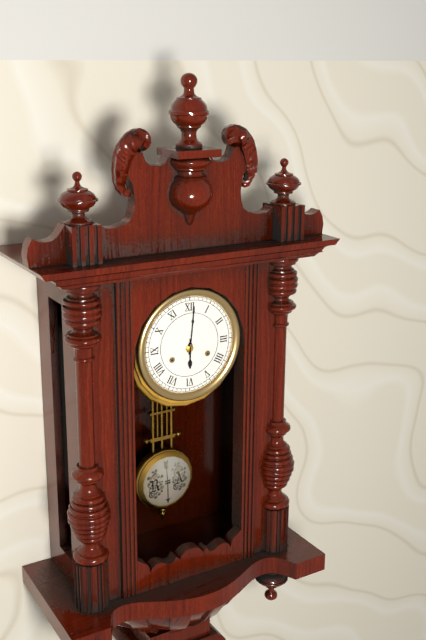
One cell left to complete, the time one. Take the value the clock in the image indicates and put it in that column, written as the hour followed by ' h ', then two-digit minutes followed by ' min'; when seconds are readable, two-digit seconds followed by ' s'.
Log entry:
6 h 01 min
